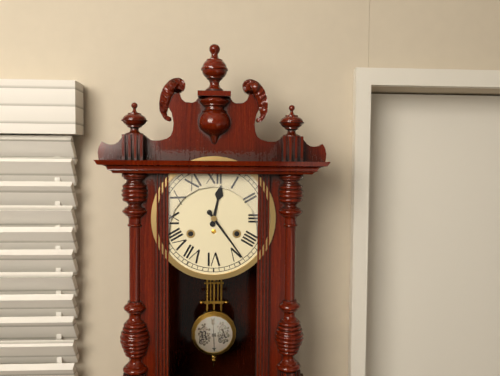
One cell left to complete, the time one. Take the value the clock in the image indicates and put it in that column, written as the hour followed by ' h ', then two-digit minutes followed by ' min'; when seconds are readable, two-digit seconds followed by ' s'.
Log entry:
12 h 24 min
